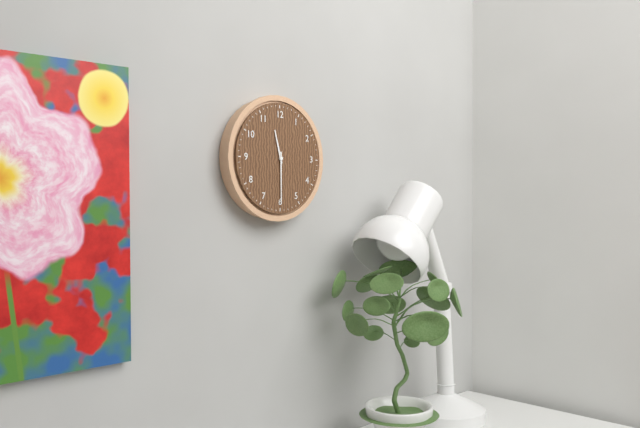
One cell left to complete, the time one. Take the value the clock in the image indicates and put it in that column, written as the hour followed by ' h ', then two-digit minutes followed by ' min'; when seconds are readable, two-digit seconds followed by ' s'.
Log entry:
11 h 30 min
